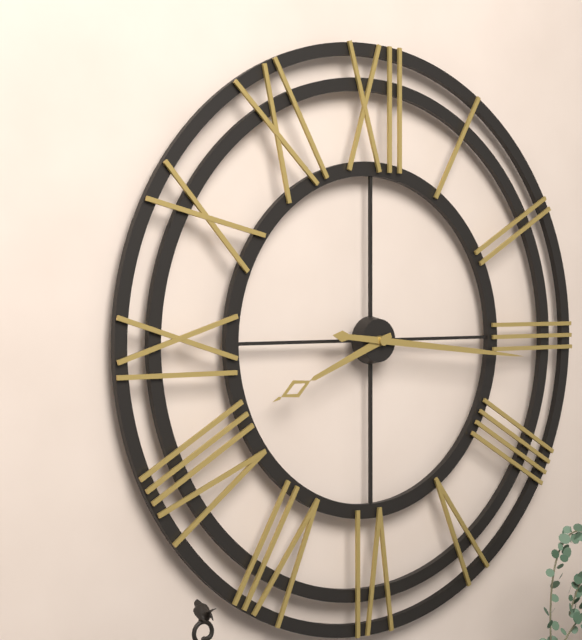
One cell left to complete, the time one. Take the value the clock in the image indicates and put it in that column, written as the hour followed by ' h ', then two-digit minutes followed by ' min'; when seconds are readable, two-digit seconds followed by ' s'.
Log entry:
8 h 16 min
